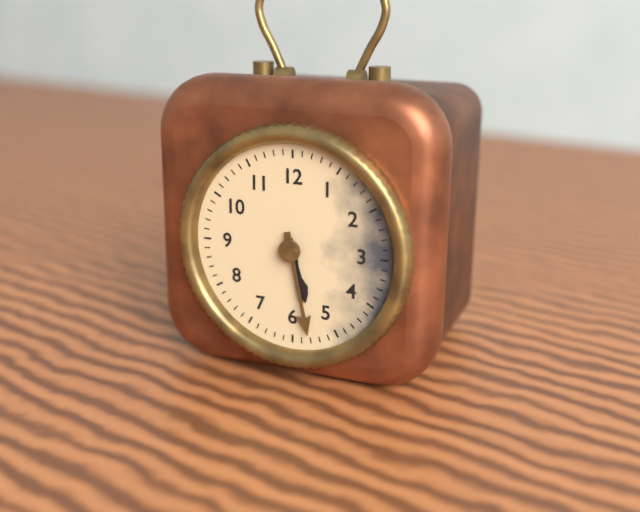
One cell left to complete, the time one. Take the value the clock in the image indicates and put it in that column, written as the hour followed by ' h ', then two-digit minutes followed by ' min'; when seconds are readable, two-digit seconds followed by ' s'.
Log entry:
5 h 28 min
